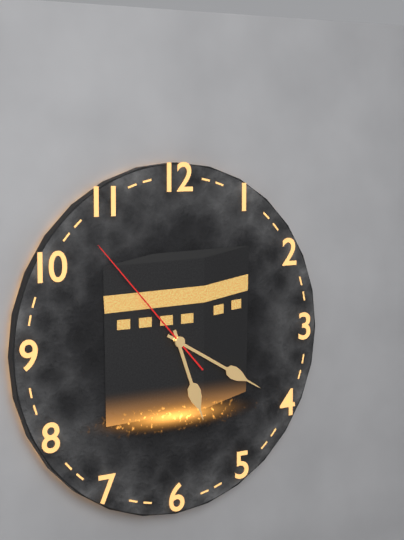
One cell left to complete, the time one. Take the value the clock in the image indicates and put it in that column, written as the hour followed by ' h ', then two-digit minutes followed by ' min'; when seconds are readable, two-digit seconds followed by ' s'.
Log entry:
5 h 20 min 53 s
